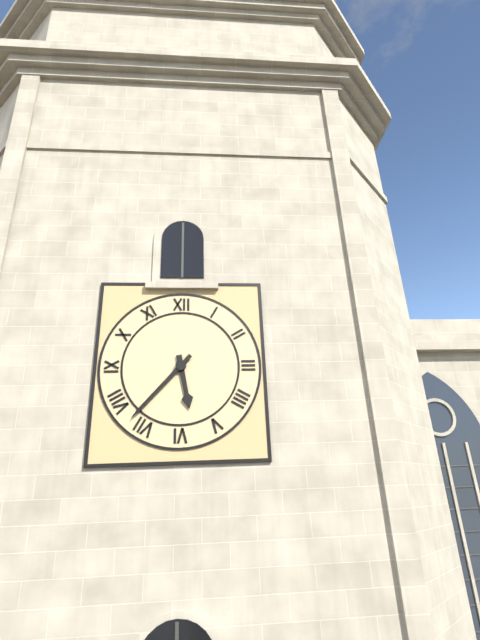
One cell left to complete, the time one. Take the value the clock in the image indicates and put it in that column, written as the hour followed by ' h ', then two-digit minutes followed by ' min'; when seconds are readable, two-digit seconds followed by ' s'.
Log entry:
5 h 37 min
